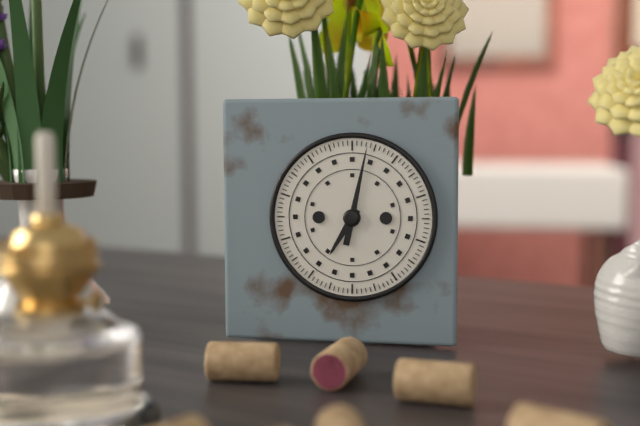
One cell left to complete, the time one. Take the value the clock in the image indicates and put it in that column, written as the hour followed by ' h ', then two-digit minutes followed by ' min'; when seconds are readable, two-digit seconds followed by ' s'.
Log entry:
7 h 02 min
